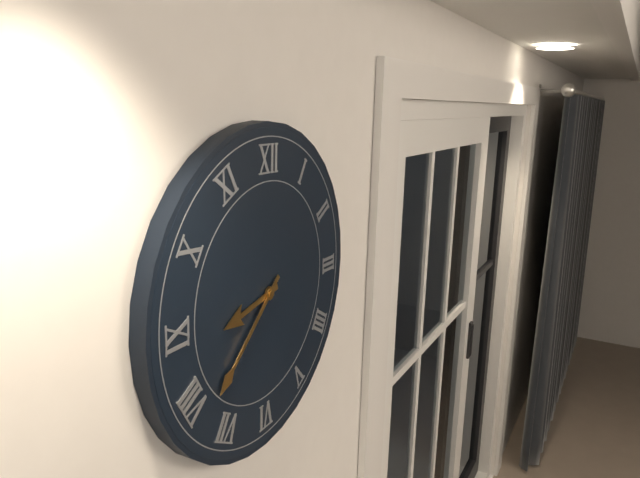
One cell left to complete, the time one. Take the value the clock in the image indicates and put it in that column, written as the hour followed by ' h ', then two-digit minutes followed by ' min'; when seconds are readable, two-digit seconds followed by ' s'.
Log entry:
8 h 38 min
